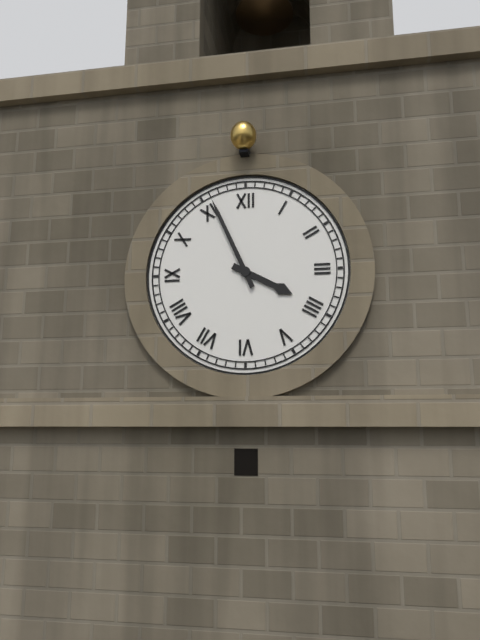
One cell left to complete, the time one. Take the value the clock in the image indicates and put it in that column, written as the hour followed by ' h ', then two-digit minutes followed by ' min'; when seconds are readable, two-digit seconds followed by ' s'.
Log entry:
3 h 56 min
